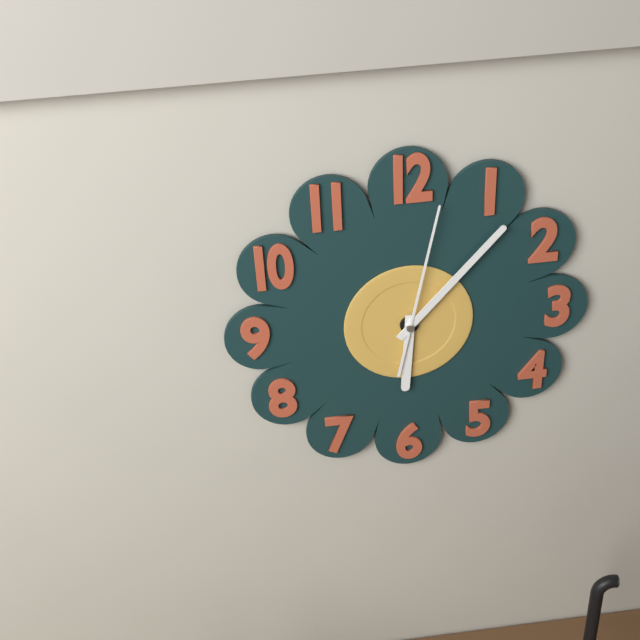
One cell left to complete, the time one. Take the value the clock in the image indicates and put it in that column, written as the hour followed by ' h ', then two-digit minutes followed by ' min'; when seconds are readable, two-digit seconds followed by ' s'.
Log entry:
6 h 07 min 02 s
